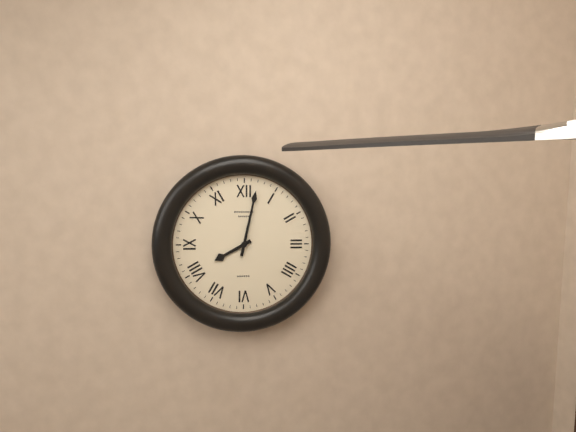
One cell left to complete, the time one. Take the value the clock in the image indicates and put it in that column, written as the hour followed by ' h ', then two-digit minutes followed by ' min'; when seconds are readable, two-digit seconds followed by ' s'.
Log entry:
8 h 02 min
